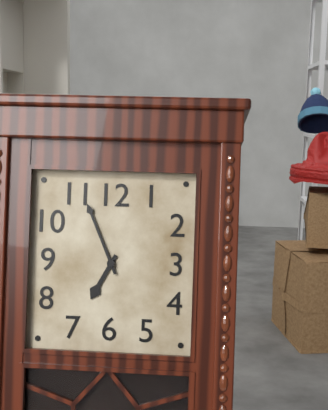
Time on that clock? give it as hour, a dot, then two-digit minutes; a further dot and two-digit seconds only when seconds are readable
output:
6.56
